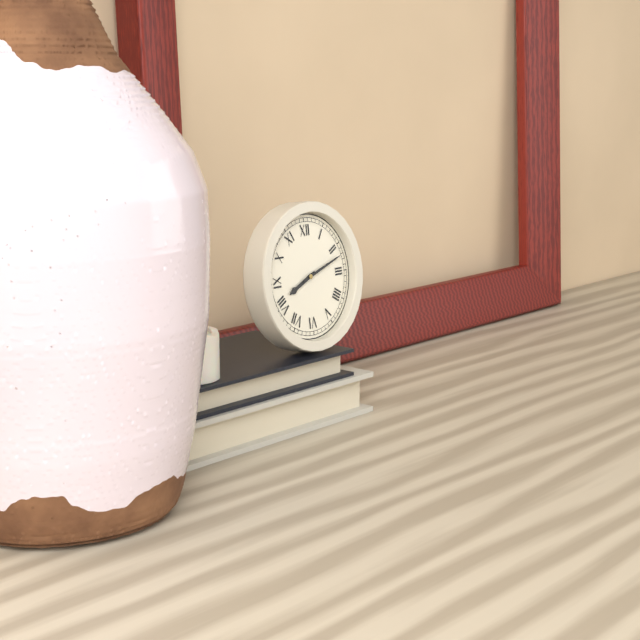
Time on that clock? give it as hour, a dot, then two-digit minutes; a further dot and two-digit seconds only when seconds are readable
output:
8.12
